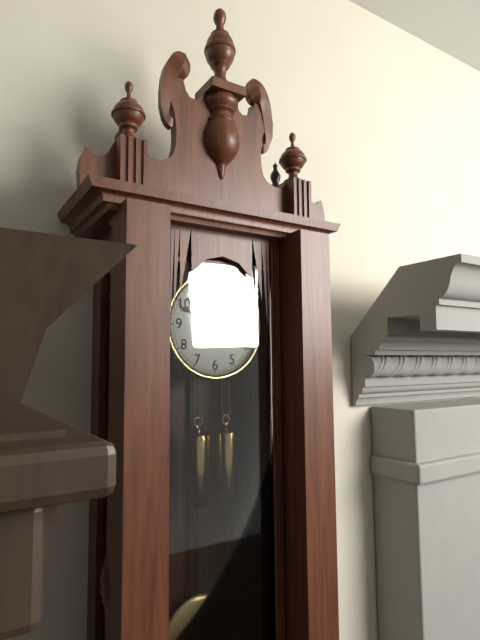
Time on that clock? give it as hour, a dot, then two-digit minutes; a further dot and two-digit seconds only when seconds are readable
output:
11.49
